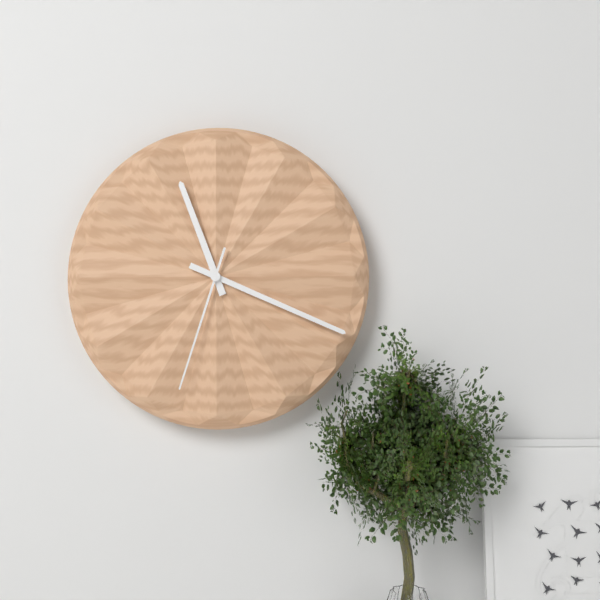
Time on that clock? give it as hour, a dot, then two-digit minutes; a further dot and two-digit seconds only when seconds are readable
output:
11.19.33
